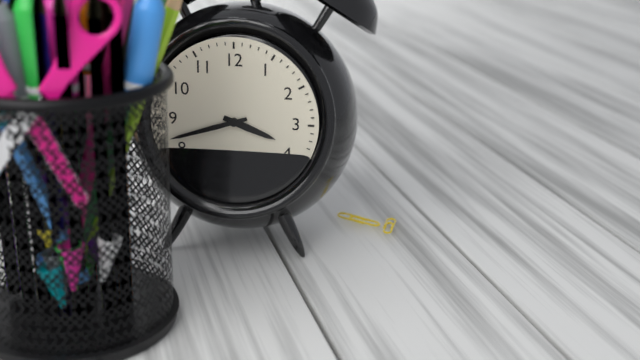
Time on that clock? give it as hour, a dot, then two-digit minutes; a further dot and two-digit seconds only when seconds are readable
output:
3.42
